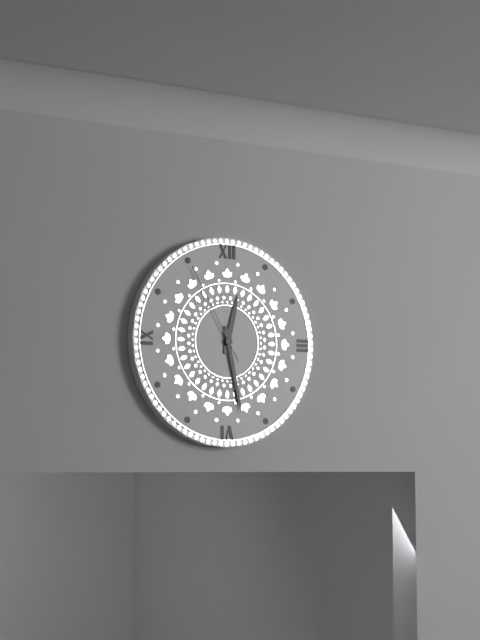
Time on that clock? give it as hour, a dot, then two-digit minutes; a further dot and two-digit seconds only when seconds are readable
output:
12.28.55
